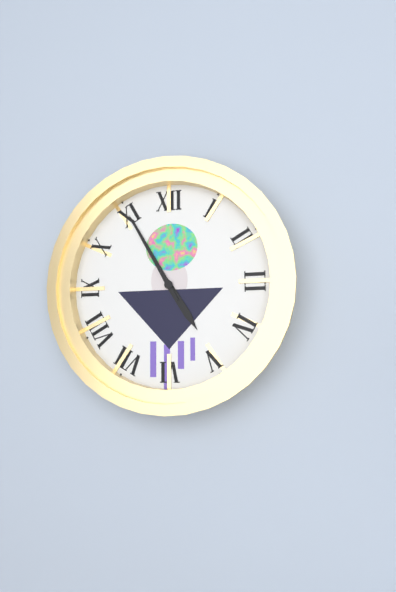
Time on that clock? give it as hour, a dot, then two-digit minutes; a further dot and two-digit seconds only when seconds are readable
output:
4.55
